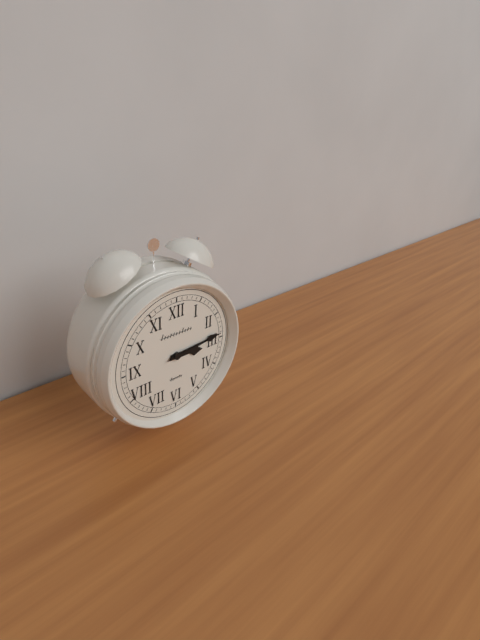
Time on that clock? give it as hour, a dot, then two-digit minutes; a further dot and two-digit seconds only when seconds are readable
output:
3.14.14
